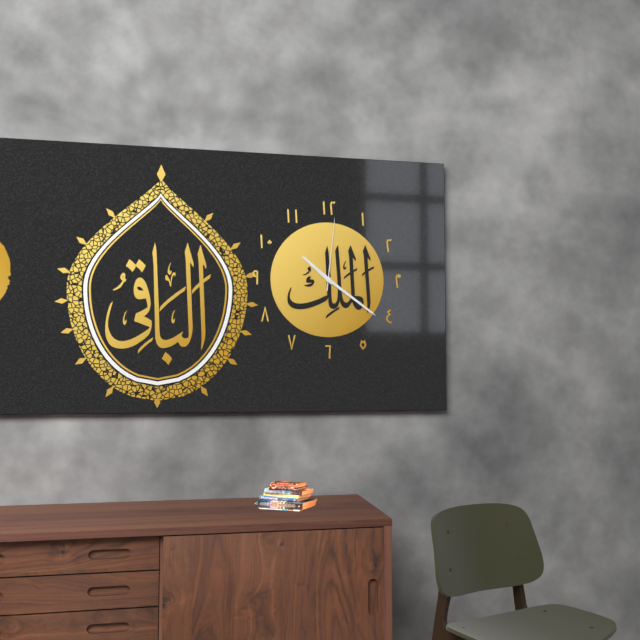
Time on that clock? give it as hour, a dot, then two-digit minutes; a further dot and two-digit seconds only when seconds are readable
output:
10.21.01
